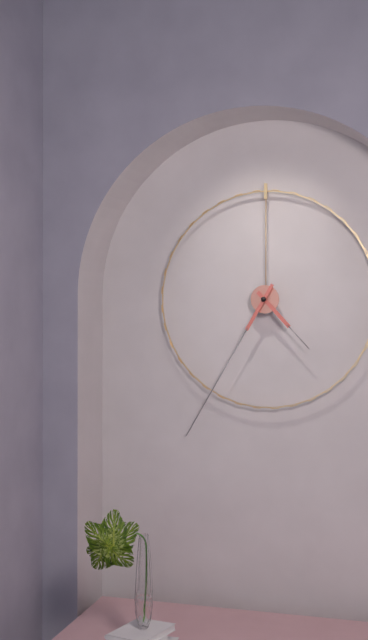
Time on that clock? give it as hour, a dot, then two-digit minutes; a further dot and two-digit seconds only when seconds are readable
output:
4.35
